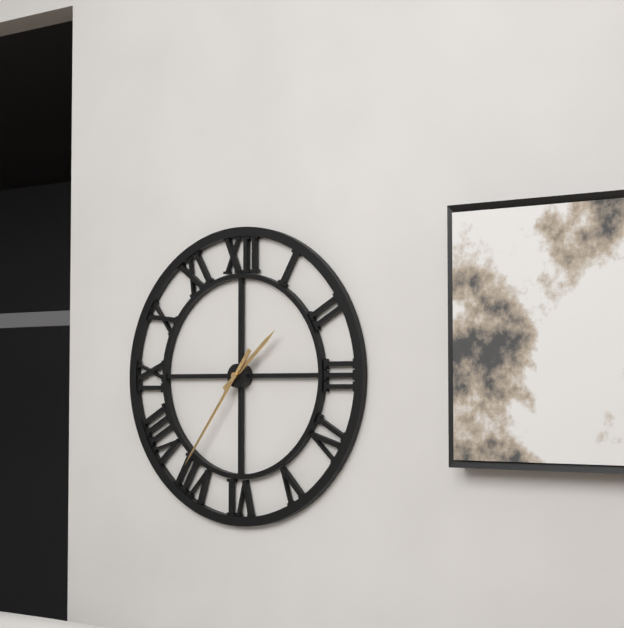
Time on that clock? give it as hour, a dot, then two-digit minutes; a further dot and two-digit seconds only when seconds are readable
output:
1.36
